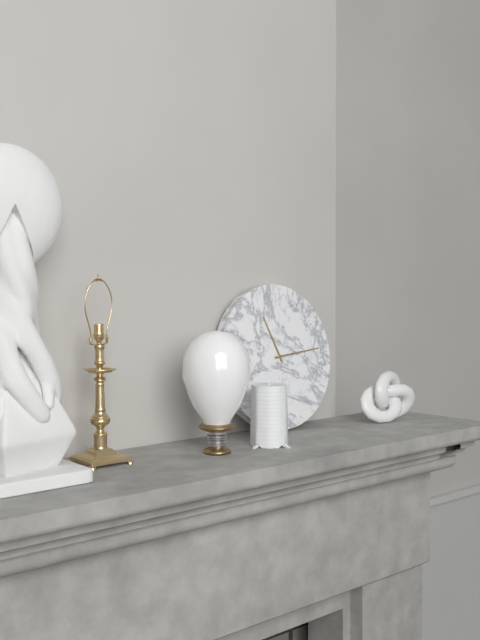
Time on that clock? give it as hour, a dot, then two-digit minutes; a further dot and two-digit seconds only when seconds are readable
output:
11.14
